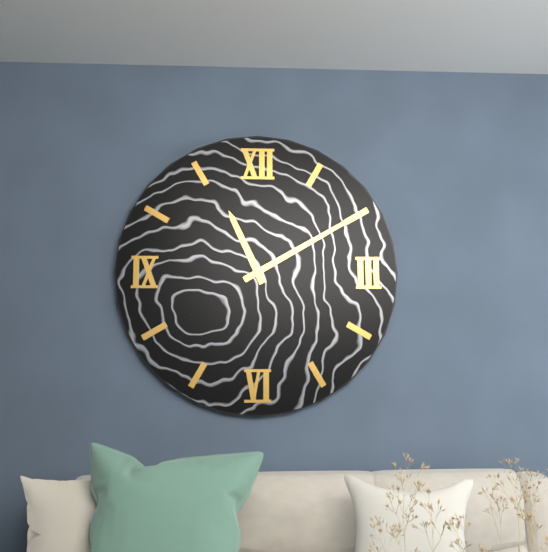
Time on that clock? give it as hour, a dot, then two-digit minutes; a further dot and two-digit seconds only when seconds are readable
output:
11.10
